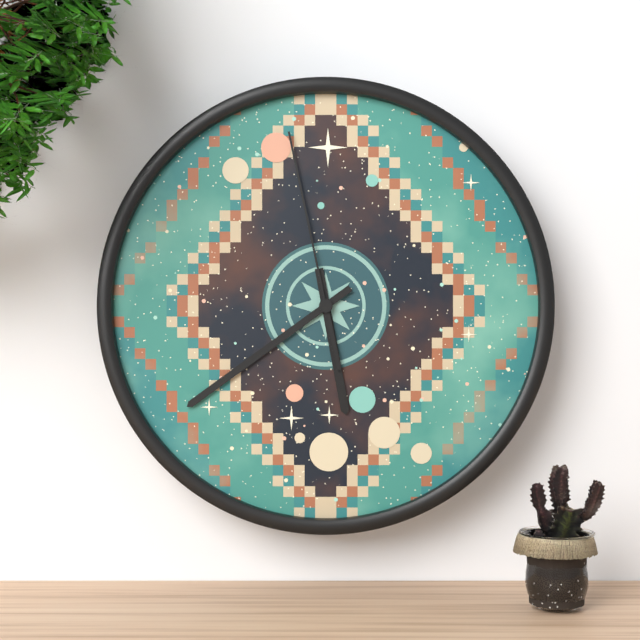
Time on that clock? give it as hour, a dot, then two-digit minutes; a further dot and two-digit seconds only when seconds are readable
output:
5.39.58
